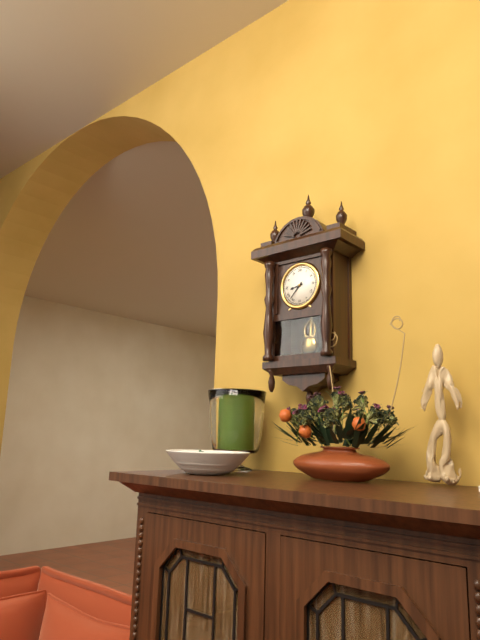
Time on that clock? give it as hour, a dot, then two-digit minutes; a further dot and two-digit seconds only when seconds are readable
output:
8.37
